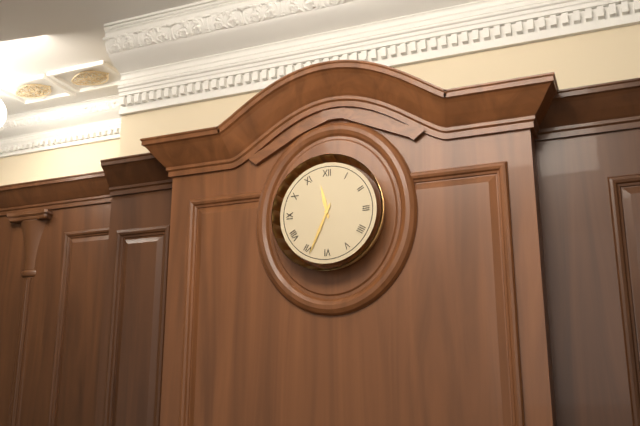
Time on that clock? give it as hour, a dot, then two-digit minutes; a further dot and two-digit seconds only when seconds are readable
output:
11.34
